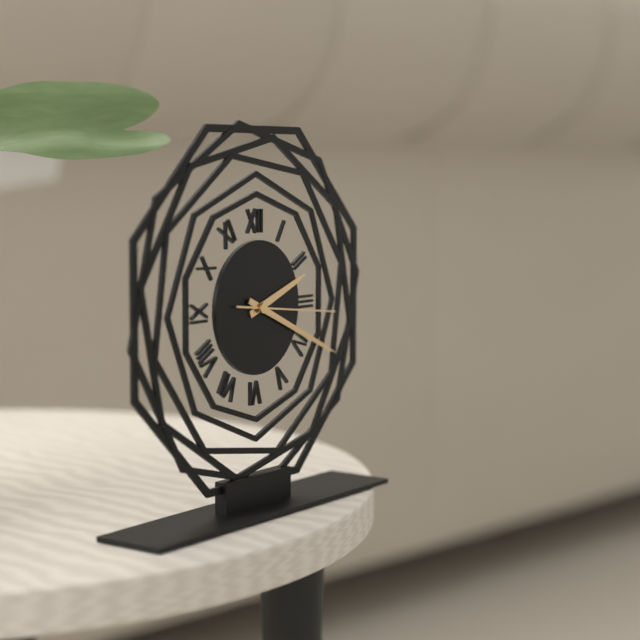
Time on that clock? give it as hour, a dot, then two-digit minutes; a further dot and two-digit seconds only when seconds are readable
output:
2.19.16
